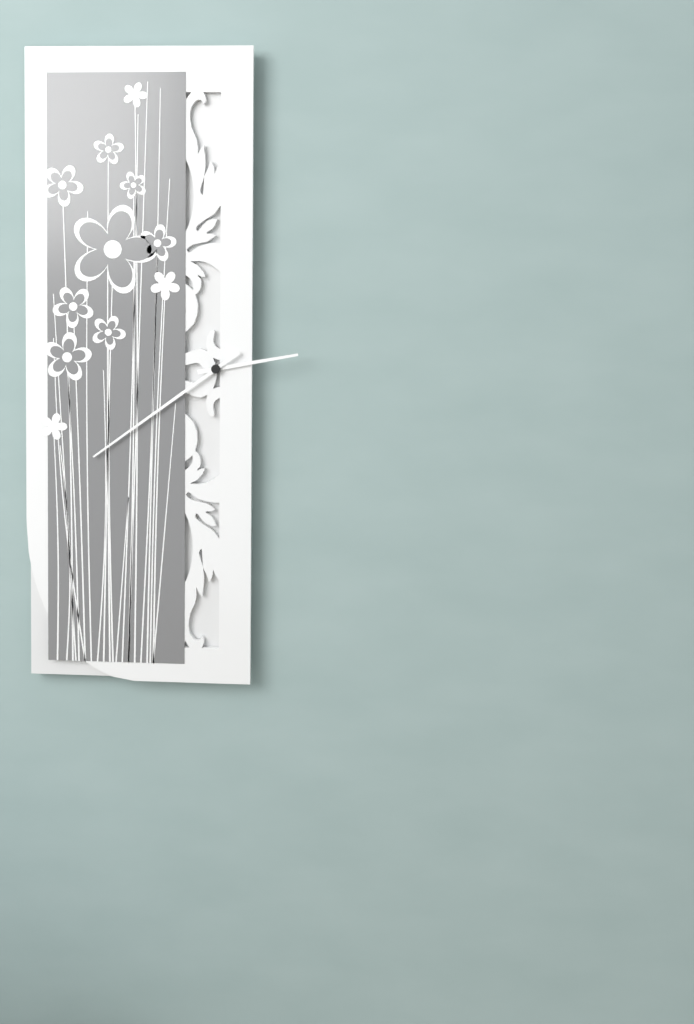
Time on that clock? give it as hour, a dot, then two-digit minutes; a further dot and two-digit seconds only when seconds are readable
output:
2.39
